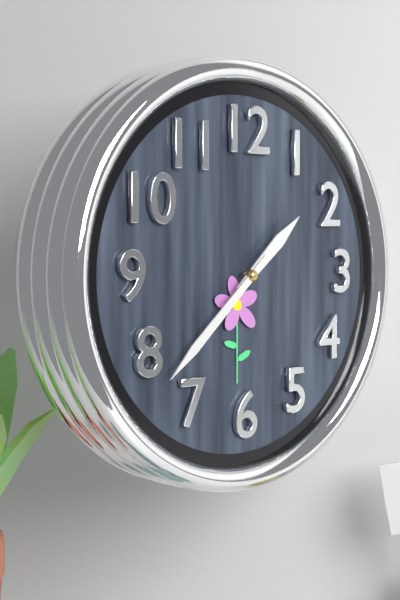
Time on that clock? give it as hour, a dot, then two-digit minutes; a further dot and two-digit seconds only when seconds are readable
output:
1.38
